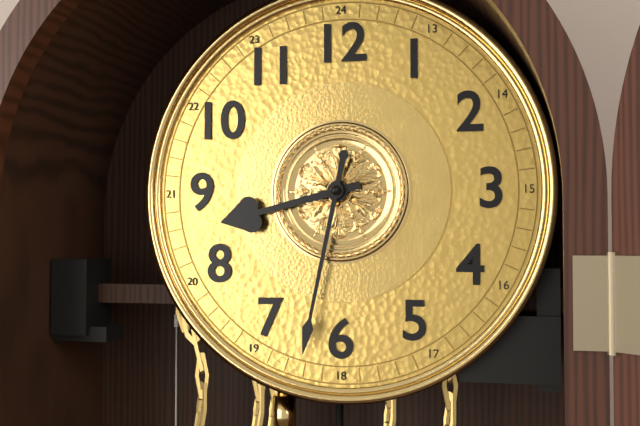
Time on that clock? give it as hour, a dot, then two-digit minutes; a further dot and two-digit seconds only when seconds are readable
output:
8.32
